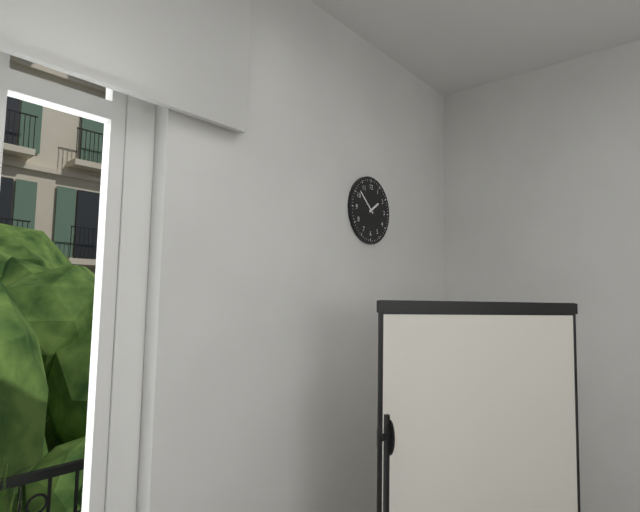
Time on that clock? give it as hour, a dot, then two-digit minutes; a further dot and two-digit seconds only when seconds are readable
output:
1.52
